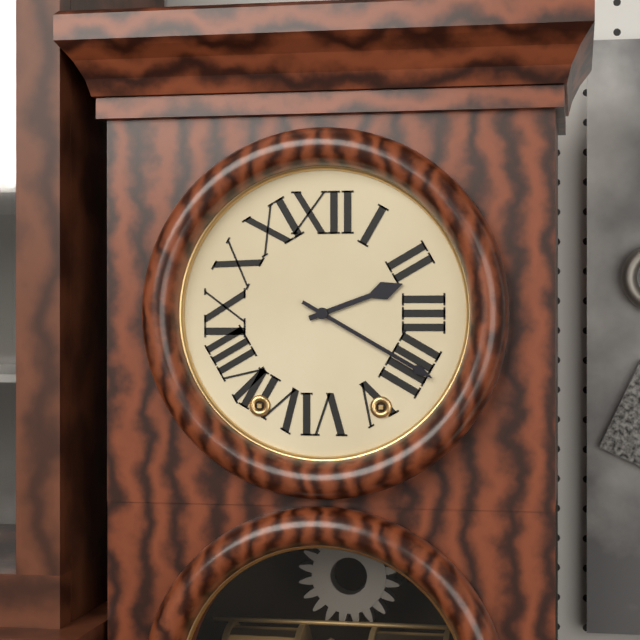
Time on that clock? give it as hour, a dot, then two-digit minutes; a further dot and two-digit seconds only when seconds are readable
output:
2.20
